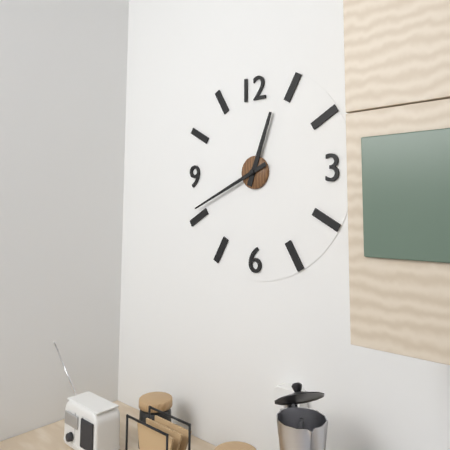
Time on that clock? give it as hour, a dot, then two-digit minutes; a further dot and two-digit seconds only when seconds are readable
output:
12.41
